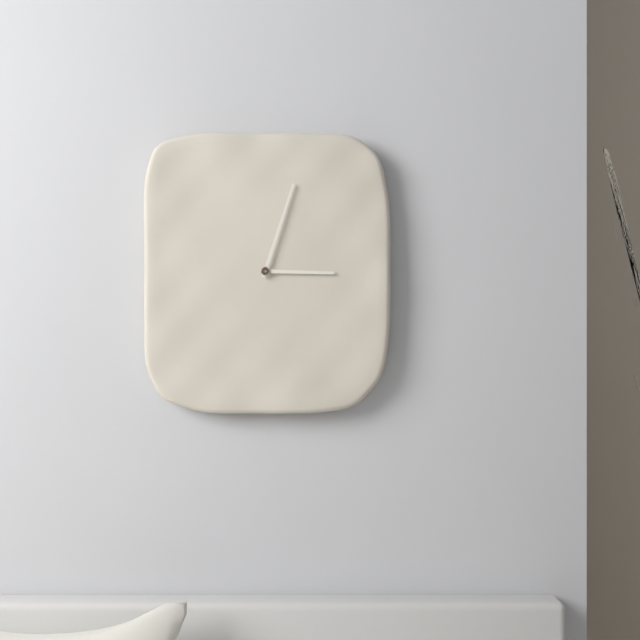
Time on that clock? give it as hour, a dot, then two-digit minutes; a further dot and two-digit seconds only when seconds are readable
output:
3.03
